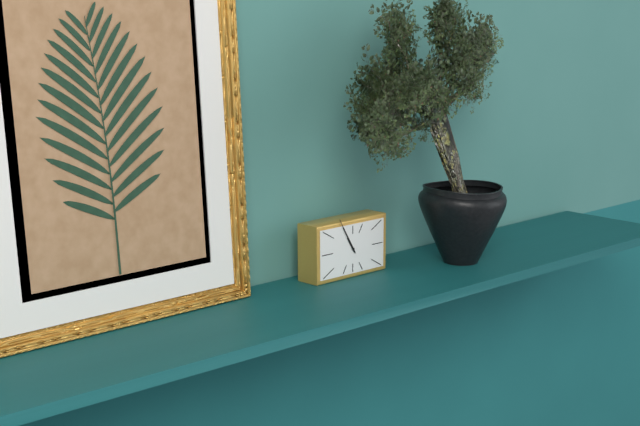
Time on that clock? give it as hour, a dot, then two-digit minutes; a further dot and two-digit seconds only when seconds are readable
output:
10.55
